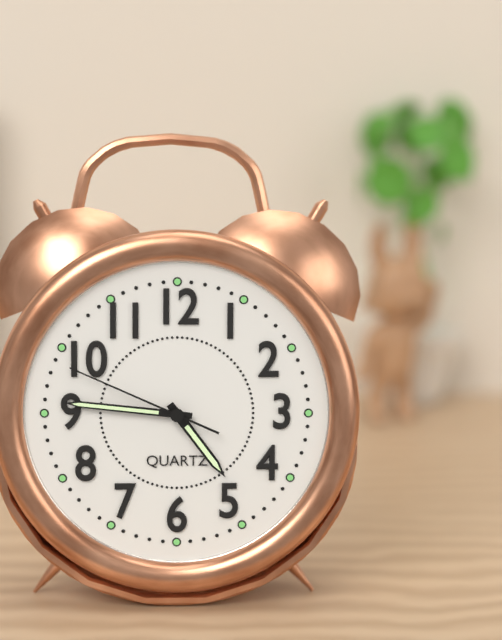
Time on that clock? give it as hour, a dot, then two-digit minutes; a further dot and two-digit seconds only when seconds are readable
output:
4.46.49
